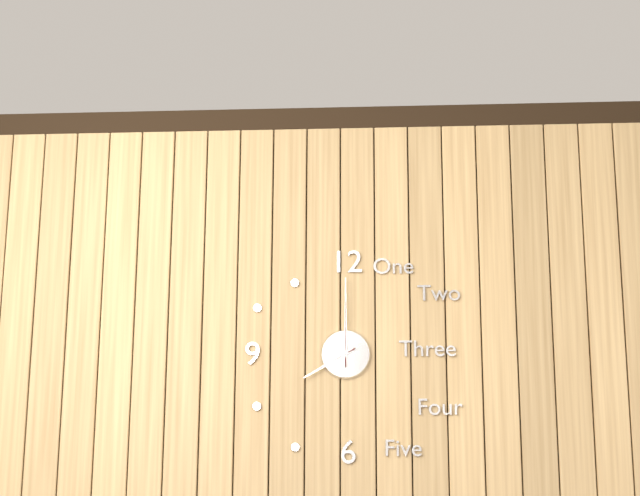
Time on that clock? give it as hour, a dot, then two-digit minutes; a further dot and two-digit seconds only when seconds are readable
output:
8.00
